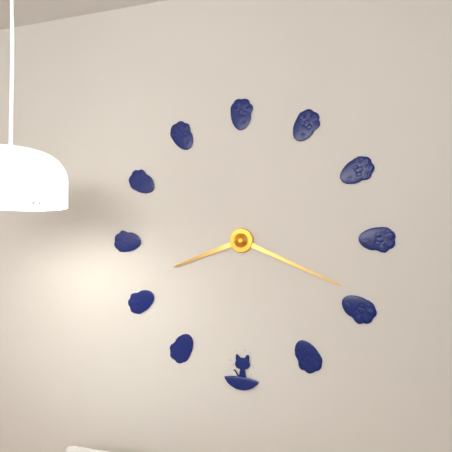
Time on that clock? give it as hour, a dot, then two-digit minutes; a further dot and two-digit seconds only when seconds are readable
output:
8.19
